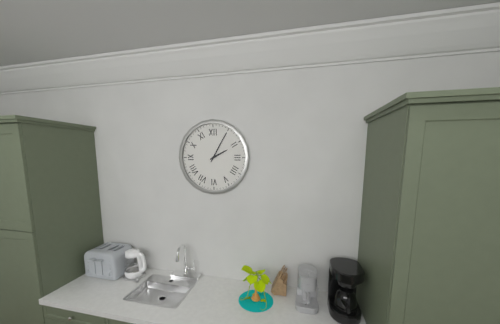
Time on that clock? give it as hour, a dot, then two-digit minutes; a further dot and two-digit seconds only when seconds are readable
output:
2.05
